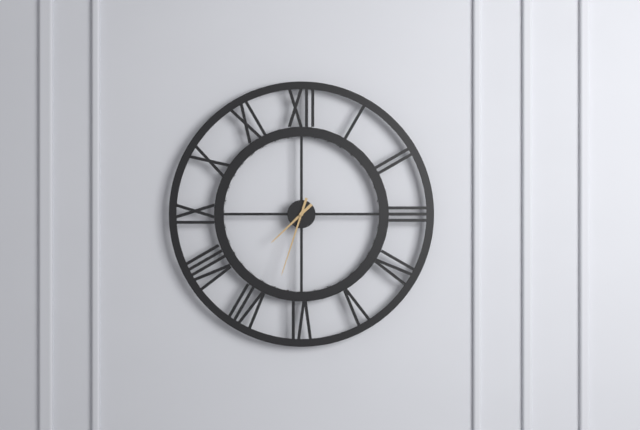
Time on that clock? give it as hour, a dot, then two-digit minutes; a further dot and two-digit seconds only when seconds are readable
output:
7.33
